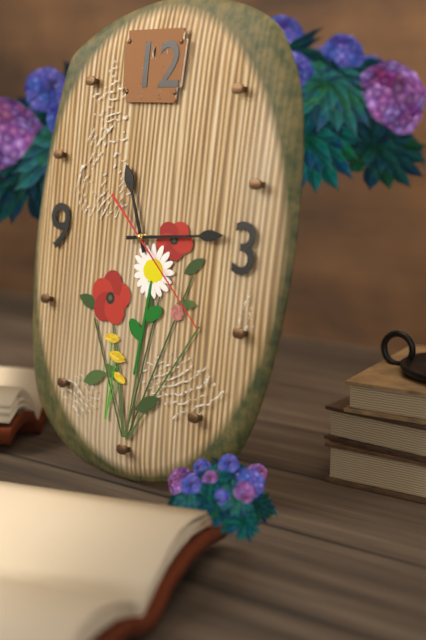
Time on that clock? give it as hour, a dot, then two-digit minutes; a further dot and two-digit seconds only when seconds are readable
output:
11.14.22
